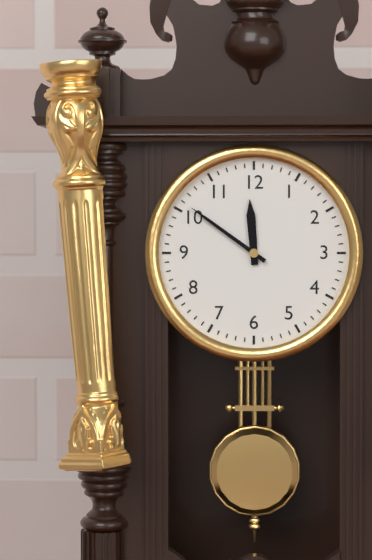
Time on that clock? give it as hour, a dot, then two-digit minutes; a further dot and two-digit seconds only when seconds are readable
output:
11.51
